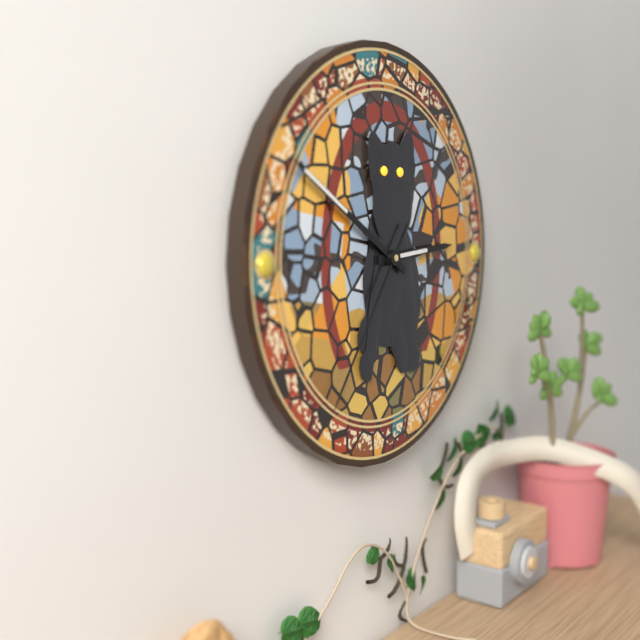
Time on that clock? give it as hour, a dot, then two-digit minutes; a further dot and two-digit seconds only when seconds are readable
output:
2.50.36
